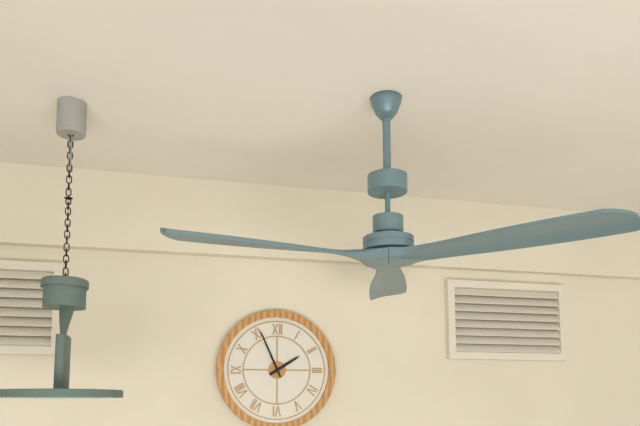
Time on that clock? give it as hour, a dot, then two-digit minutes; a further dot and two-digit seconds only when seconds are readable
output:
1.56
